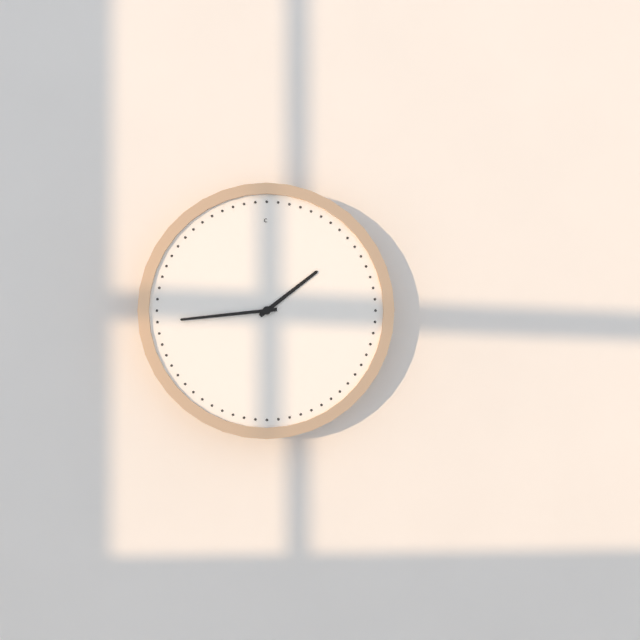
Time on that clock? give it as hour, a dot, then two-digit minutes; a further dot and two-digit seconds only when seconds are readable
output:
1.44
